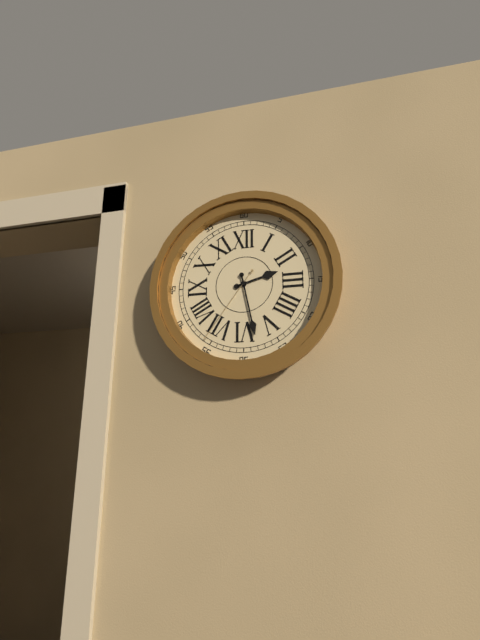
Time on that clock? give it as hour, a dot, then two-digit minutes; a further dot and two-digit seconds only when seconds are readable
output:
2.28.36
